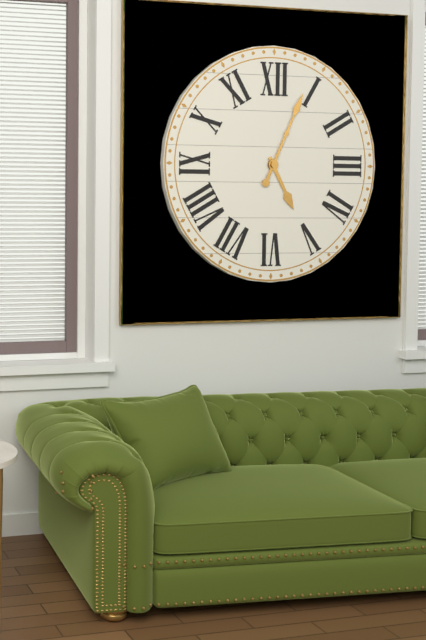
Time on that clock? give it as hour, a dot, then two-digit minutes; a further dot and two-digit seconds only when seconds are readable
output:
5.04
